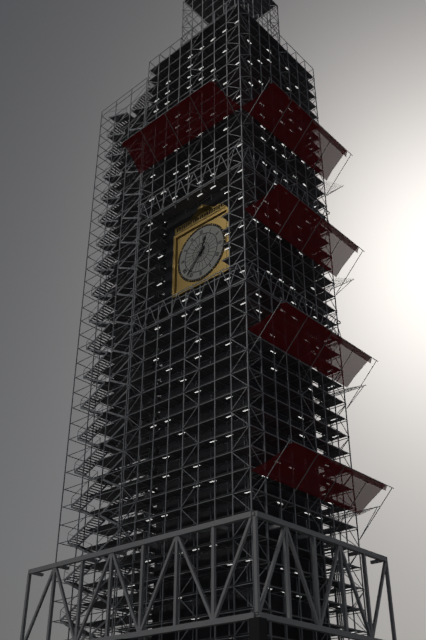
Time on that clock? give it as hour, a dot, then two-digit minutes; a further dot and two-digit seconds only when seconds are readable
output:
12.37
